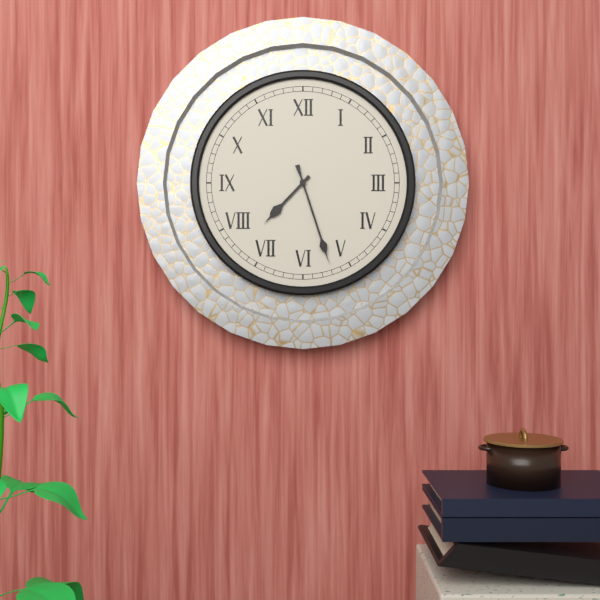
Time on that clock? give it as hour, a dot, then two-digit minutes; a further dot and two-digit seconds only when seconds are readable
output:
7.27
